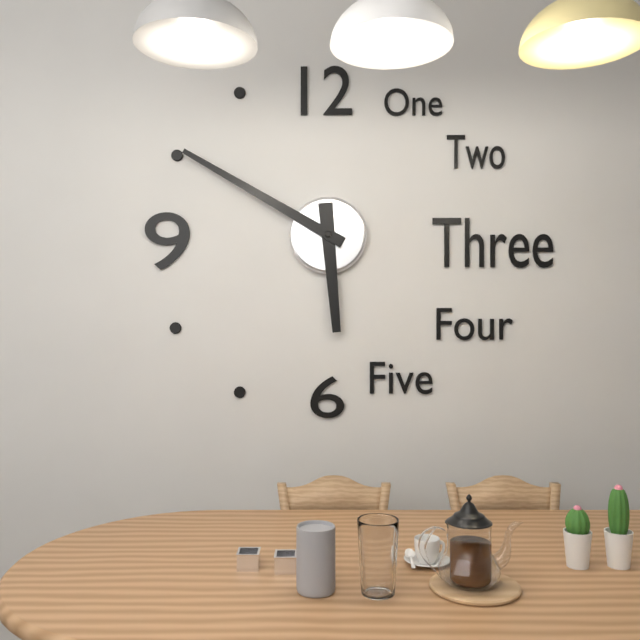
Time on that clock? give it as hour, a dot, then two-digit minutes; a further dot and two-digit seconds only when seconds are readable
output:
5.50
